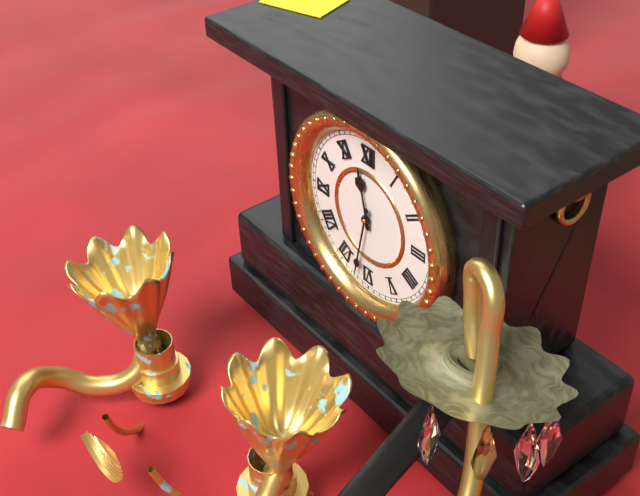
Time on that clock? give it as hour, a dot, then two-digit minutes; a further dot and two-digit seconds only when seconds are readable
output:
11.32
